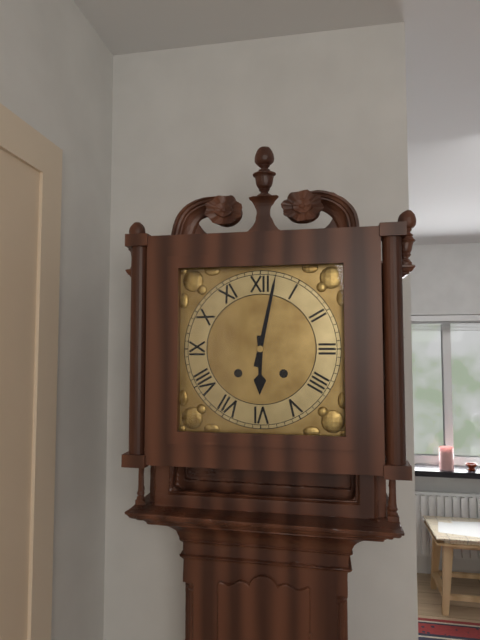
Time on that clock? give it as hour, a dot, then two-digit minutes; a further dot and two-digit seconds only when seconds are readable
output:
6.02
